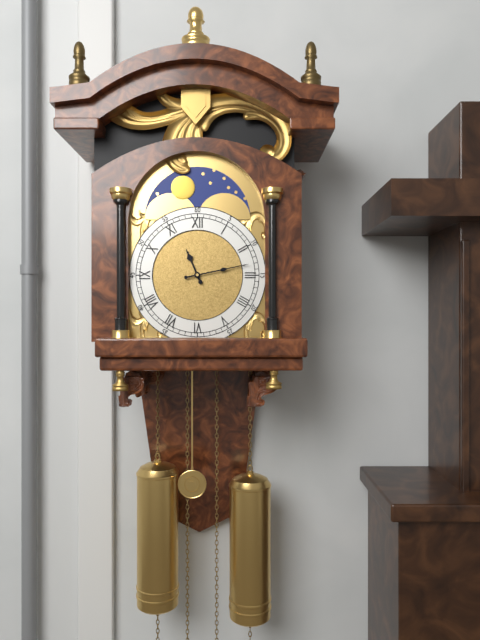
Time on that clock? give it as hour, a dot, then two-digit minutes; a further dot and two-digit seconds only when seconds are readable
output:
11.13
